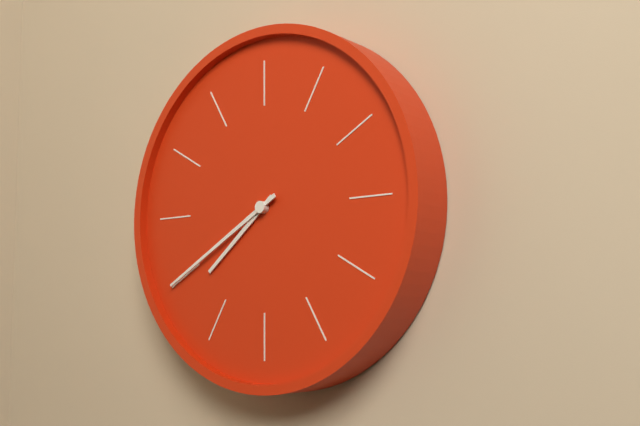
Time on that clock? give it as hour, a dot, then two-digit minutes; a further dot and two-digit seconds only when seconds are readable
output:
7.40
